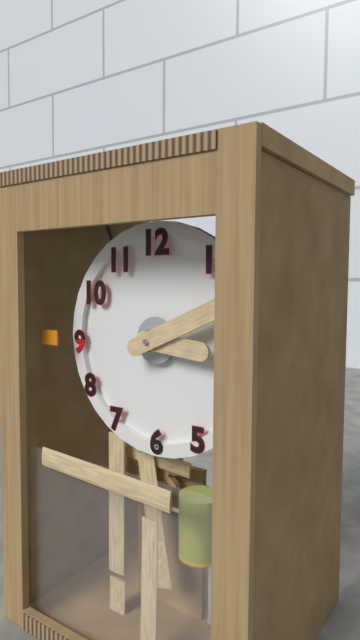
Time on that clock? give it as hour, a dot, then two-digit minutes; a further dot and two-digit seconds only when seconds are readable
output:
3.11
